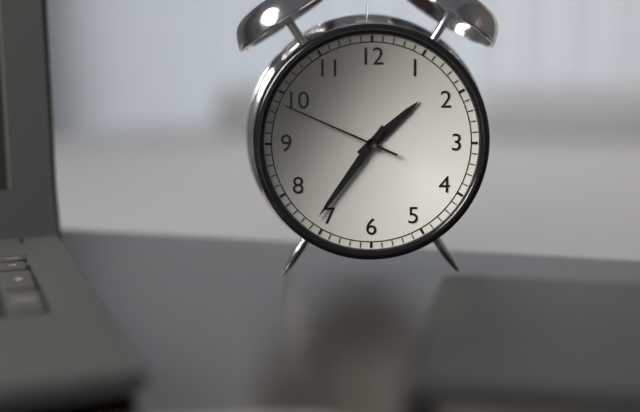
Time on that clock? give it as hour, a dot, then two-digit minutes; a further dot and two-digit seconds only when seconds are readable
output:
1.36.49
